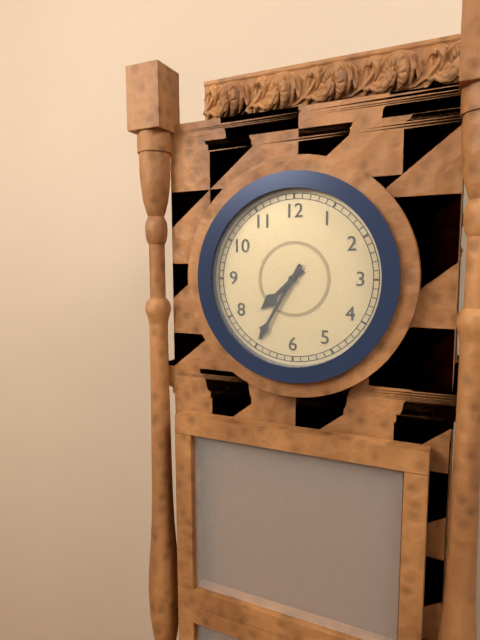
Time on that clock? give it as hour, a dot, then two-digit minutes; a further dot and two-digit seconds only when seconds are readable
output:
7.35
